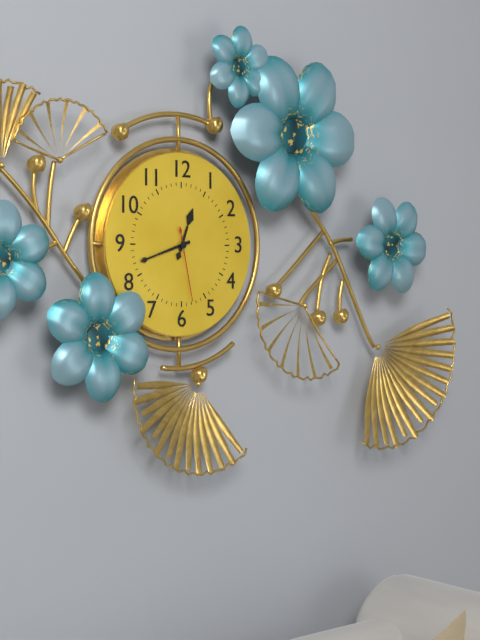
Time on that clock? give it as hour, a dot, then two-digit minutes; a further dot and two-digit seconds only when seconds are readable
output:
12.42.28
